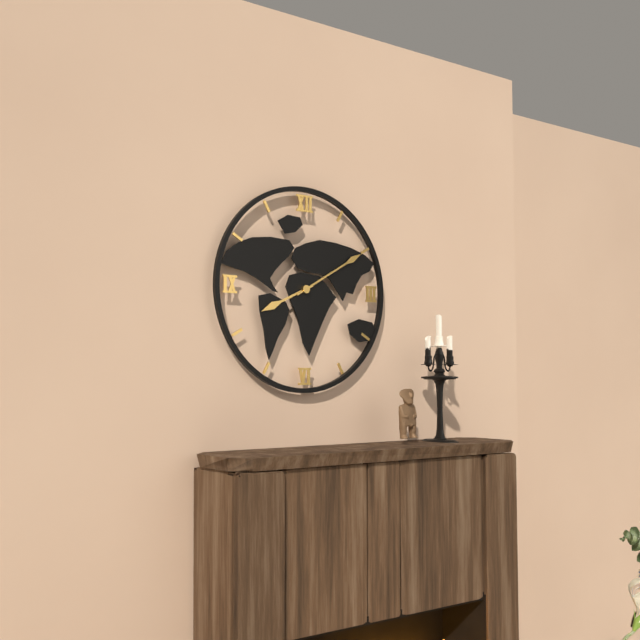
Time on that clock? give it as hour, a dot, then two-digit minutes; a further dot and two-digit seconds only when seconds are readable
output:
8.10
